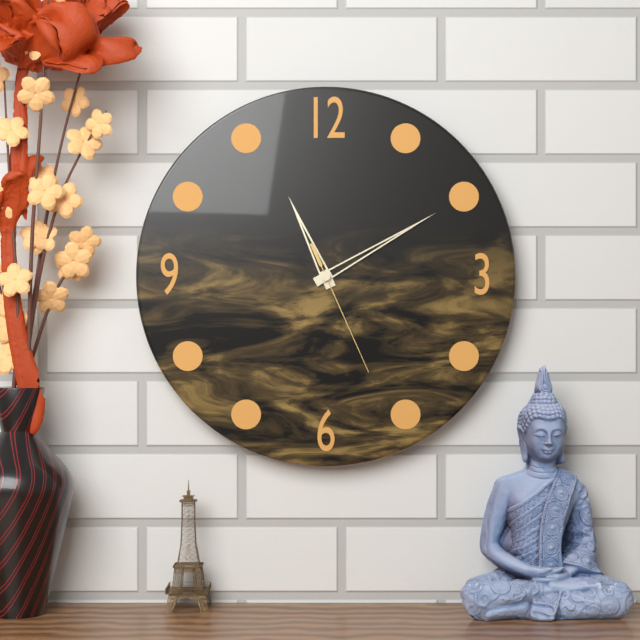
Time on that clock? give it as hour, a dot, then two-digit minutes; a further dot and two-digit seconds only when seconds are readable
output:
11.10.26
